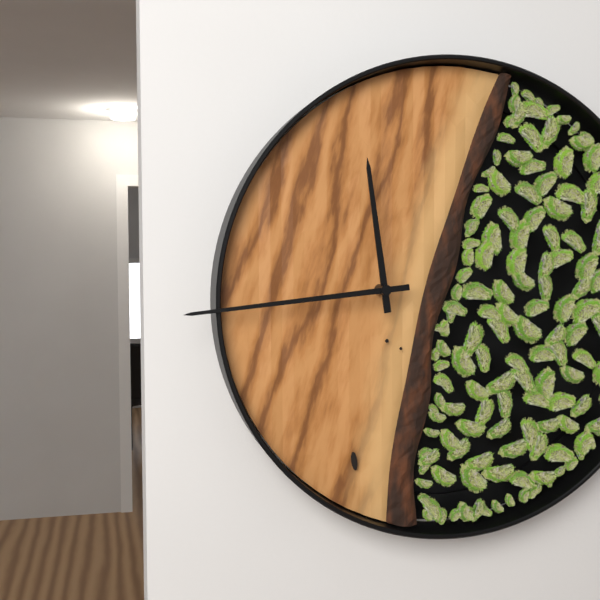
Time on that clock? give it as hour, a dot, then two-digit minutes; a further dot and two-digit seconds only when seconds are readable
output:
11.44
